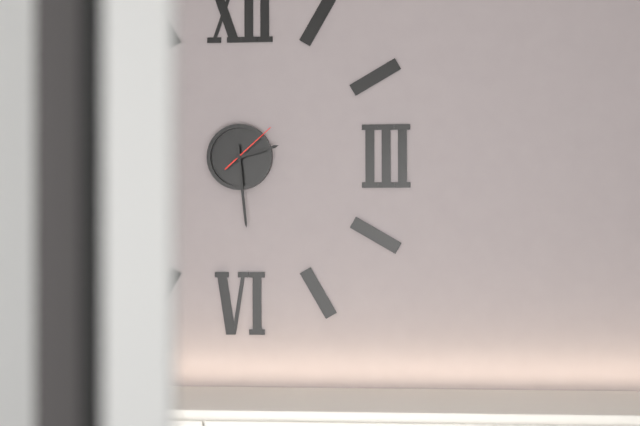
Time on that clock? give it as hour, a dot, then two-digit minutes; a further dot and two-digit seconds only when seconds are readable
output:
2.29.08
